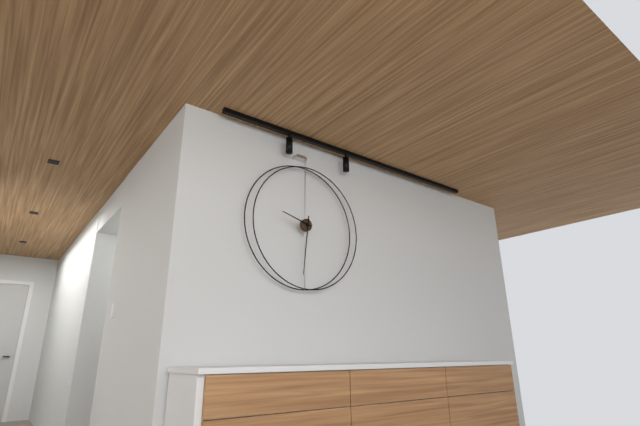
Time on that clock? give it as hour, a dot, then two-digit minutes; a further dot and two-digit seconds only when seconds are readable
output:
9.31
